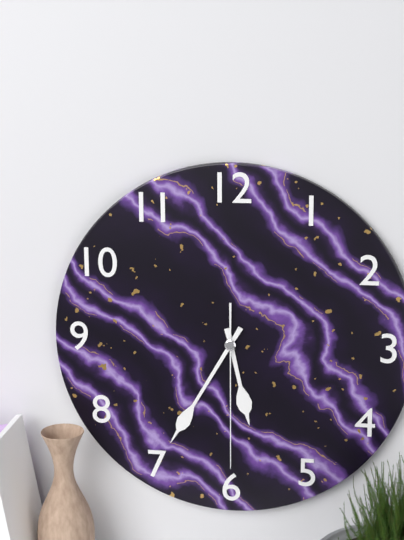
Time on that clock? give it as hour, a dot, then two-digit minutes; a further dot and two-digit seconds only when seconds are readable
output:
5.35.30
